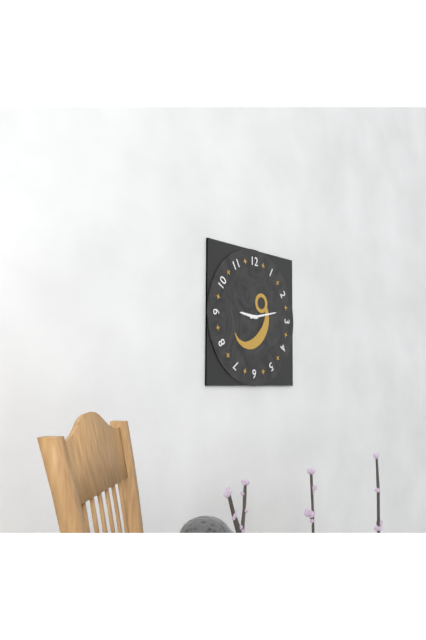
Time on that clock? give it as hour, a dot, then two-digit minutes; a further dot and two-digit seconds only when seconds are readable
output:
9.13
